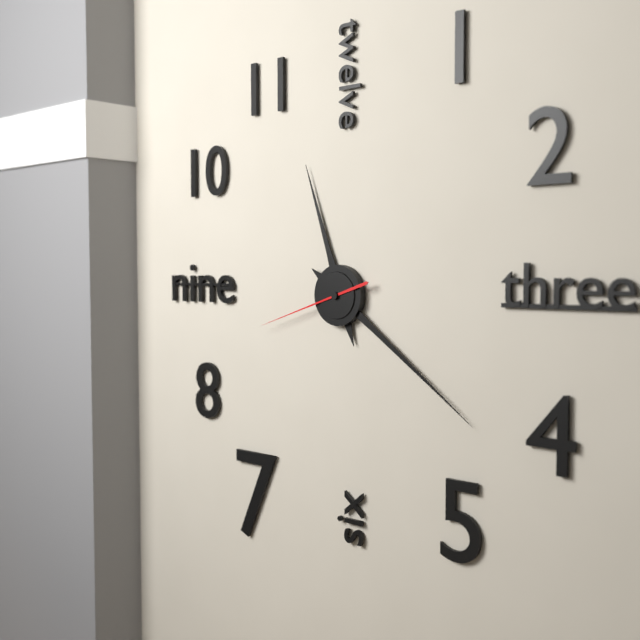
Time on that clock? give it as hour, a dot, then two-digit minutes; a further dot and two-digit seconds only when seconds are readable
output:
11.21.42
